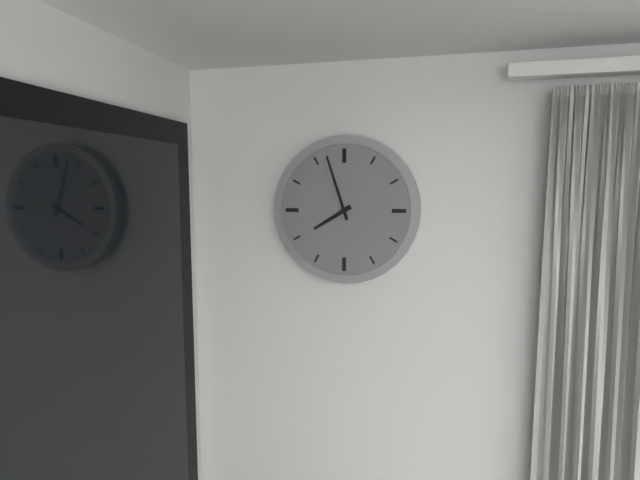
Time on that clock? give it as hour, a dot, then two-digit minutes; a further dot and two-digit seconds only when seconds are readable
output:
7.57
